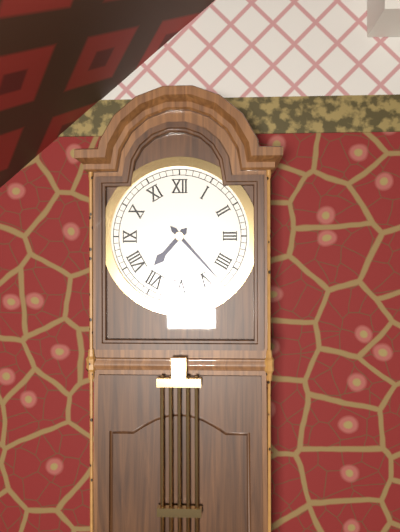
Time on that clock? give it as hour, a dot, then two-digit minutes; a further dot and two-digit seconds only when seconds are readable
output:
7.23
